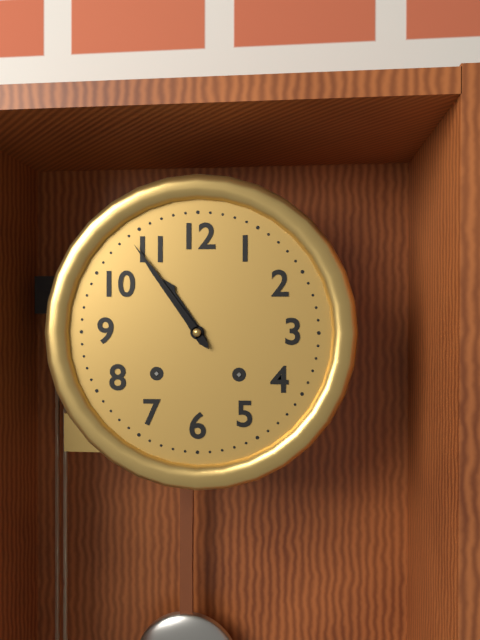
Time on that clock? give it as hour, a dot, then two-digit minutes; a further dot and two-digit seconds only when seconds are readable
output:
10.54
